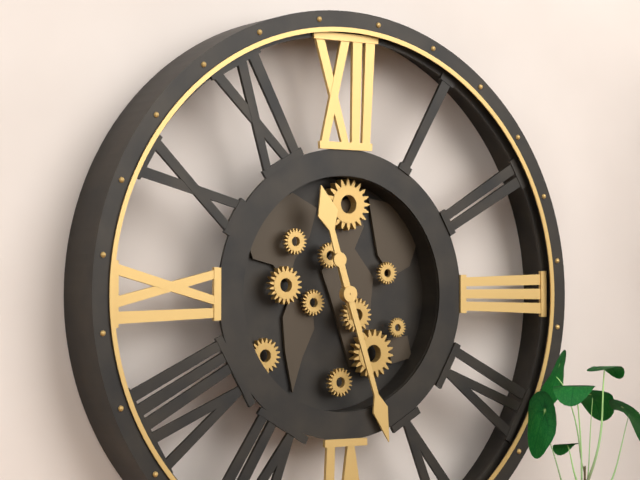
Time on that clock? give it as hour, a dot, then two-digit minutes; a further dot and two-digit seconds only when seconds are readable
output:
11.27
